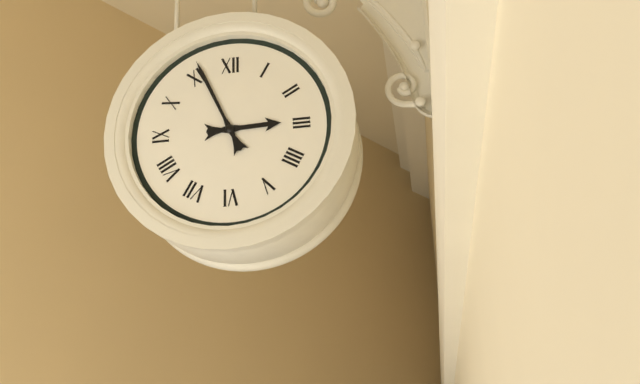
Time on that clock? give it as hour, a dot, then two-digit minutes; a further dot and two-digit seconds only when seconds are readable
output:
2.56
